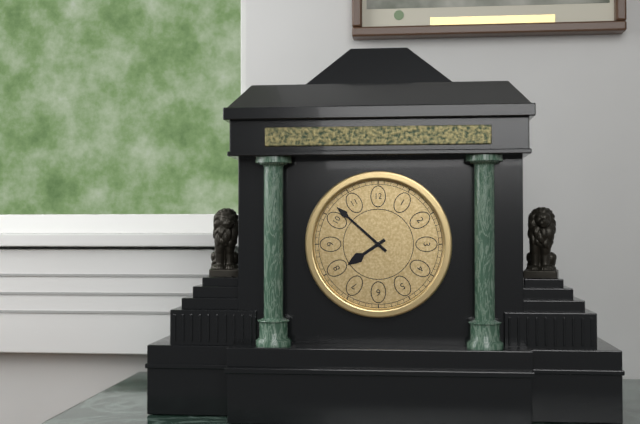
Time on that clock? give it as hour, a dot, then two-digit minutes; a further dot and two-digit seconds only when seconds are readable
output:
7.52
